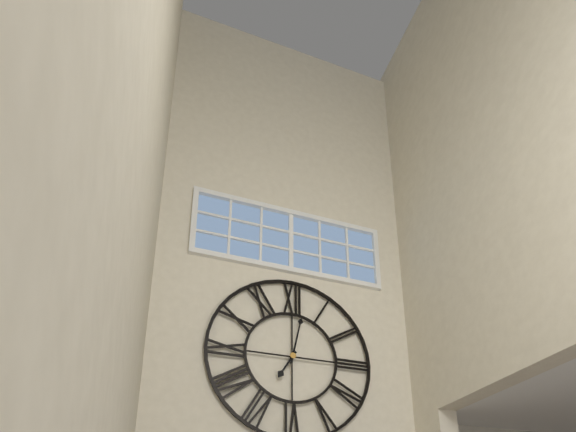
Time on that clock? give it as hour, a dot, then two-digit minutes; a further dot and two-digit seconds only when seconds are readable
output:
7.02
